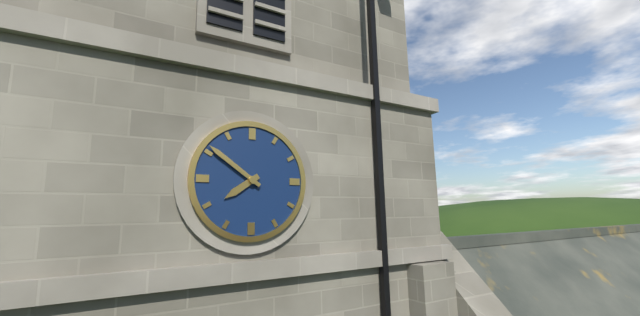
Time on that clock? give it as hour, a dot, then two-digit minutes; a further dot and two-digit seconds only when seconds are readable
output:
7.51
